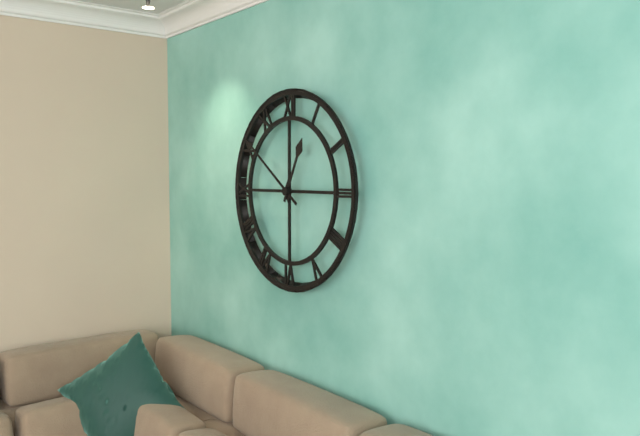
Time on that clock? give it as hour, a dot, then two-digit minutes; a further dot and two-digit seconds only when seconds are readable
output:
12.51
